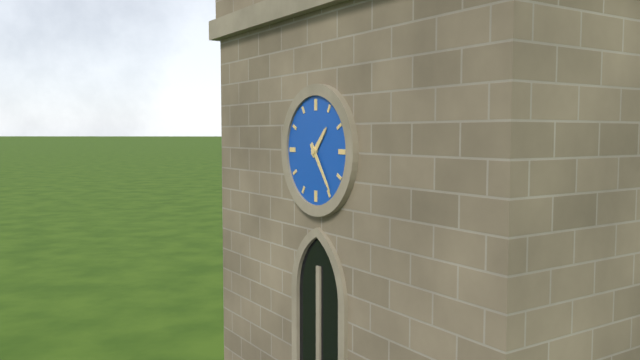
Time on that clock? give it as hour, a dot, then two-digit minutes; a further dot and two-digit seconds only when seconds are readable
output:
1.24
